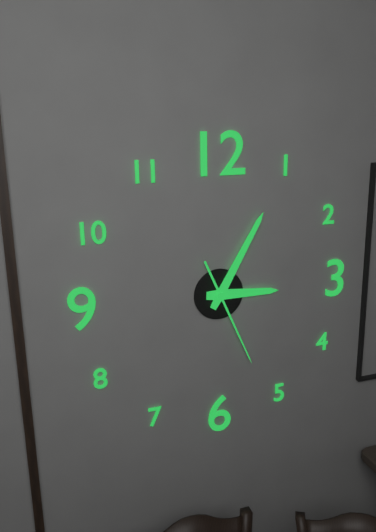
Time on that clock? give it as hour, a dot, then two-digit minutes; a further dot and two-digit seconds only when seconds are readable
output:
3.05.26
